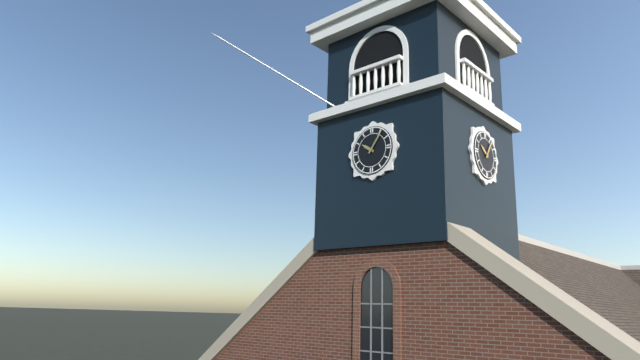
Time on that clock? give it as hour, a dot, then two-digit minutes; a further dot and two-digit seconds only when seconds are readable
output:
10.06
